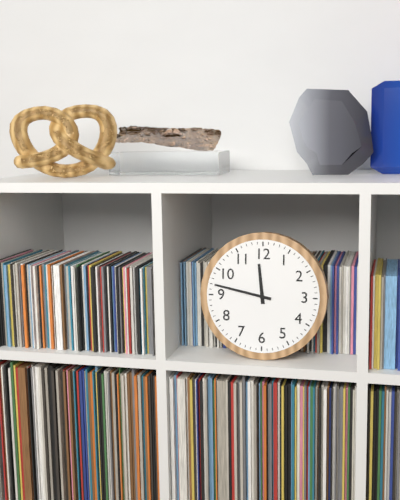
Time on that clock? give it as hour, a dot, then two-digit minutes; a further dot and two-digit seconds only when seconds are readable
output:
11.47
